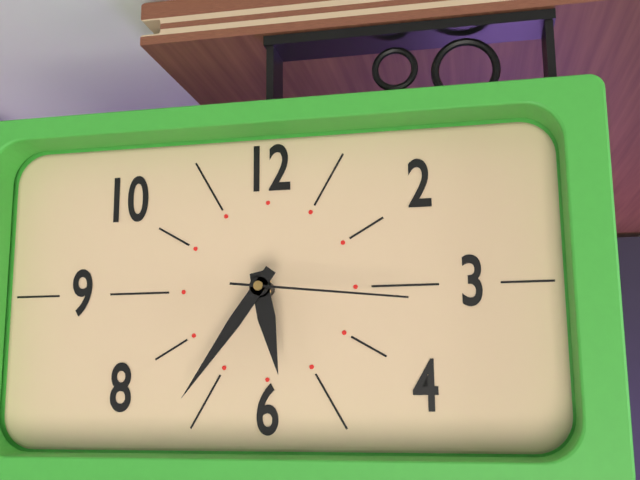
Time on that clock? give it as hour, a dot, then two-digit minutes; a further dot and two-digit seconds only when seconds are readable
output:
5.36.16
